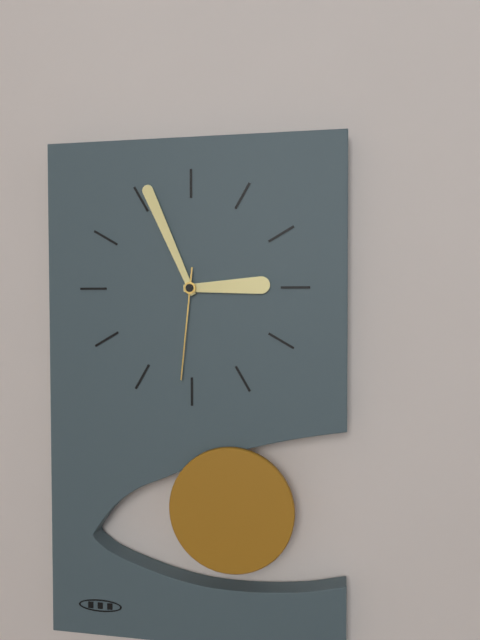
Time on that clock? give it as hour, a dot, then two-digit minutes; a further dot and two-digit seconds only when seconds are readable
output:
2.56.31
